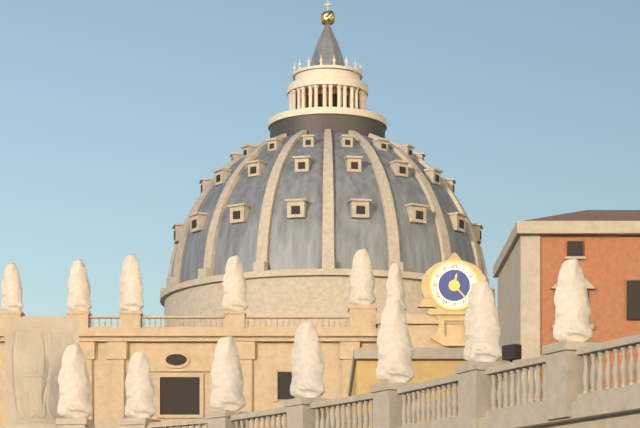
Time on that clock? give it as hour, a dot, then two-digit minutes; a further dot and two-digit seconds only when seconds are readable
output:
12.23
